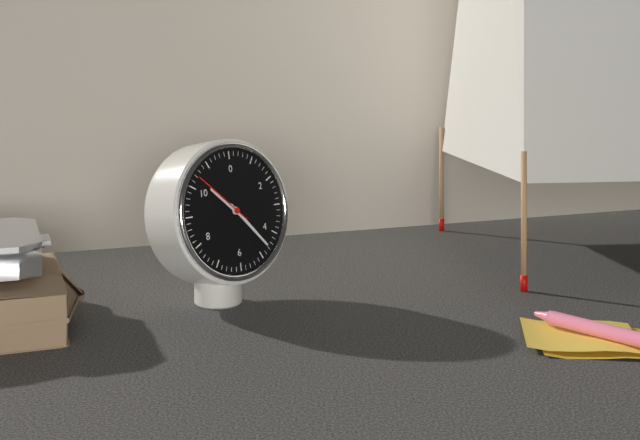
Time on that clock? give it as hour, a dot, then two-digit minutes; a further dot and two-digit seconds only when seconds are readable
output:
10.23
